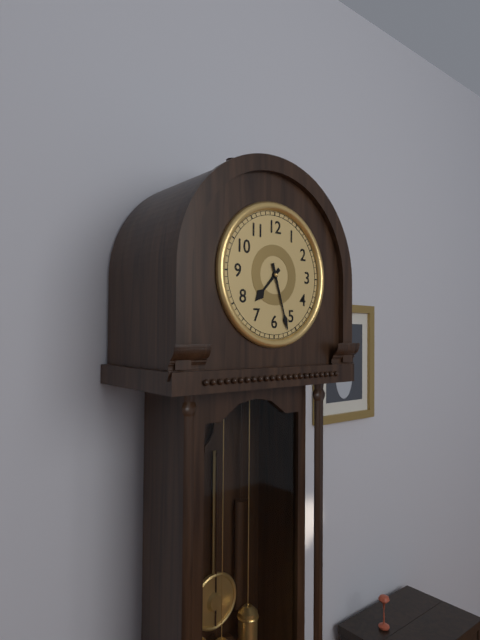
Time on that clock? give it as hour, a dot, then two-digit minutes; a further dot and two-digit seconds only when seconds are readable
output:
7.27
